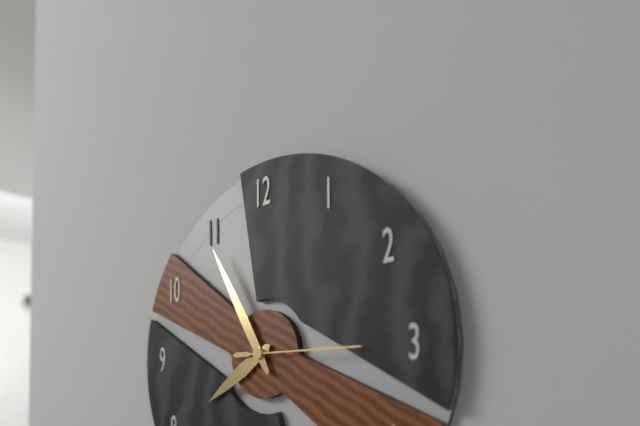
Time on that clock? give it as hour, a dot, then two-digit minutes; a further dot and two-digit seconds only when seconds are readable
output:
7.55.15
